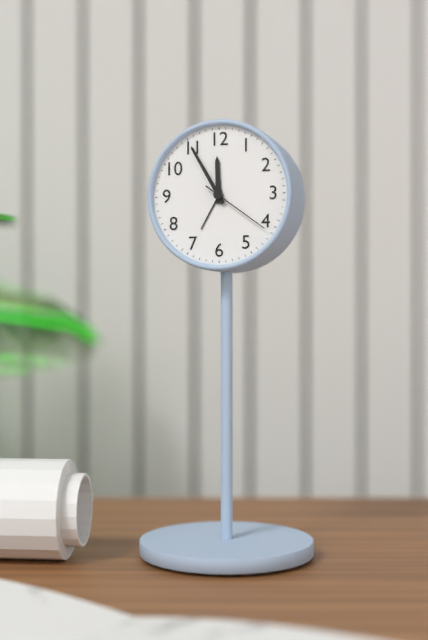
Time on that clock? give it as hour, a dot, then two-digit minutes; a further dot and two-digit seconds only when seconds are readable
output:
11.55.21
